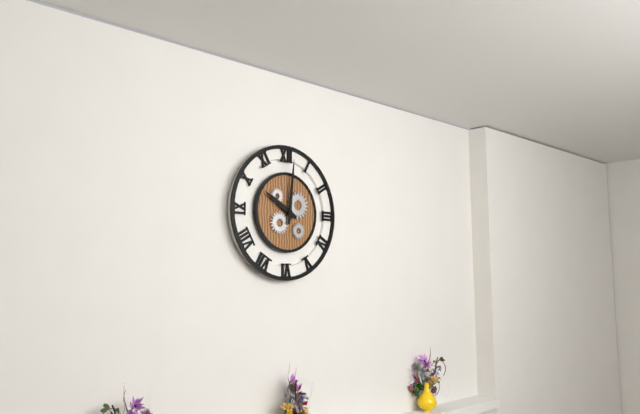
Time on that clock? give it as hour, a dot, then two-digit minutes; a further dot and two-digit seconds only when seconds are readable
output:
10.01
